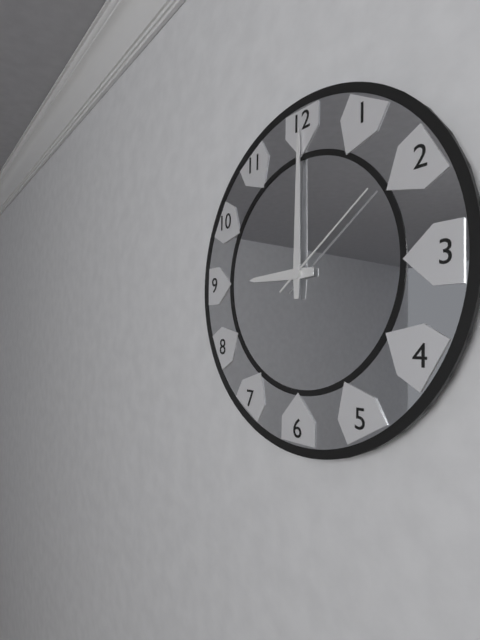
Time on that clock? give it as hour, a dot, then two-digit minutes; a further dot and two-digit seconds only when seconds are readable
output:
9.00.09
